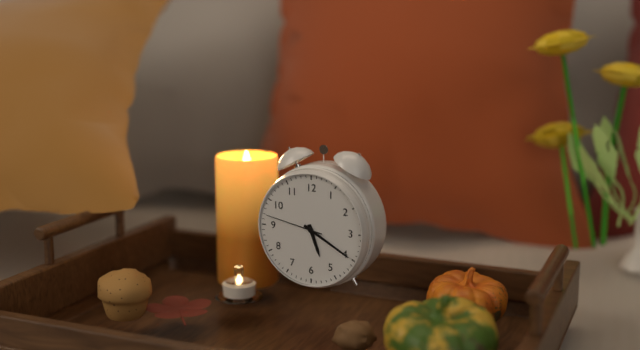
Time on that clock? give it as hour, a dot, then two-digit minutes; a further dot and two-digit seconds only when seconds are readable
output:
5.20.47
